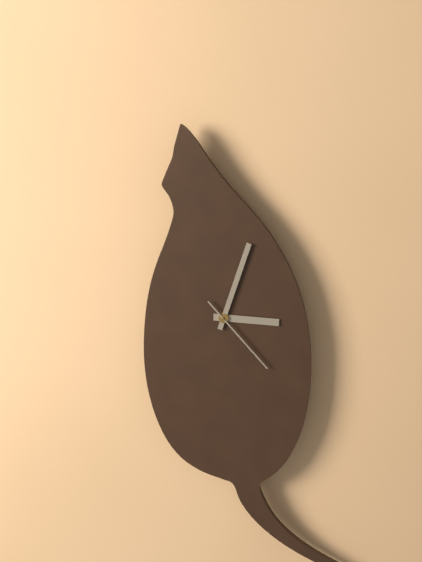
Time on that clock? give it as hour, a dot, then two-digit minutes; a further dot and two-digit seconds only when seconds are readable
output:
3.03.23
